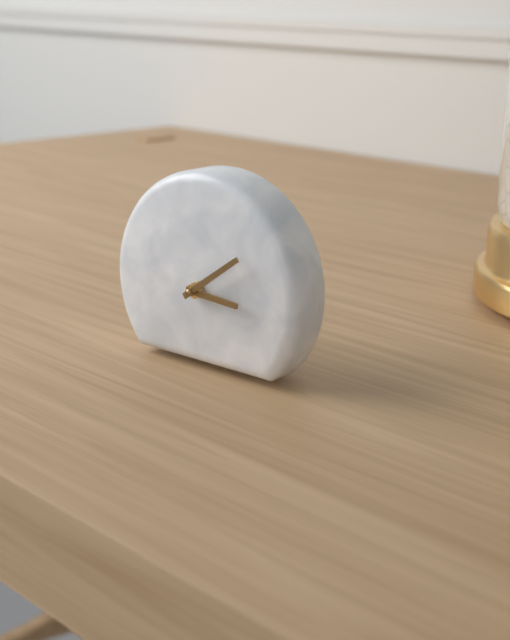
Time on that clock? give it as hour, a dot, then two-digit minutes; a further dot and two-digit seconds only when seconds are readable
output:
3.09
